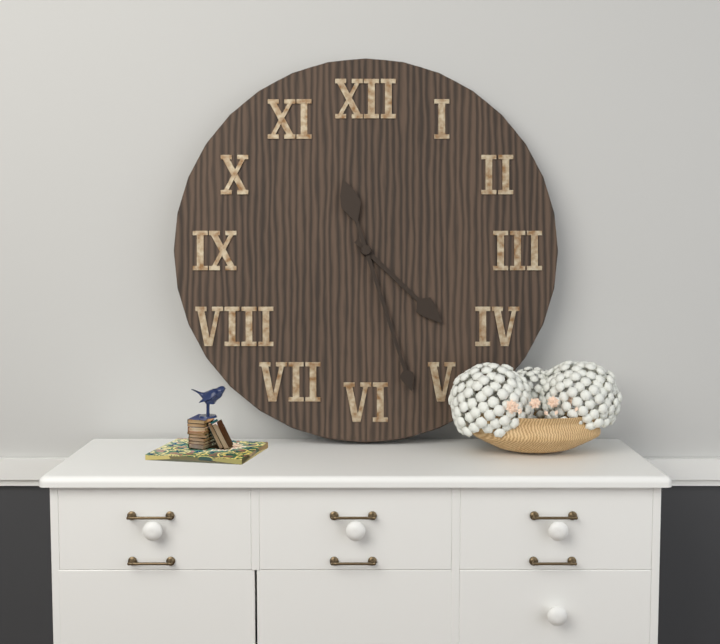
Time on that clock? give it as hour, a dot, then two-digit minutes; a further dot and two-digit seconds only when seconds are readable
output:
4.27
